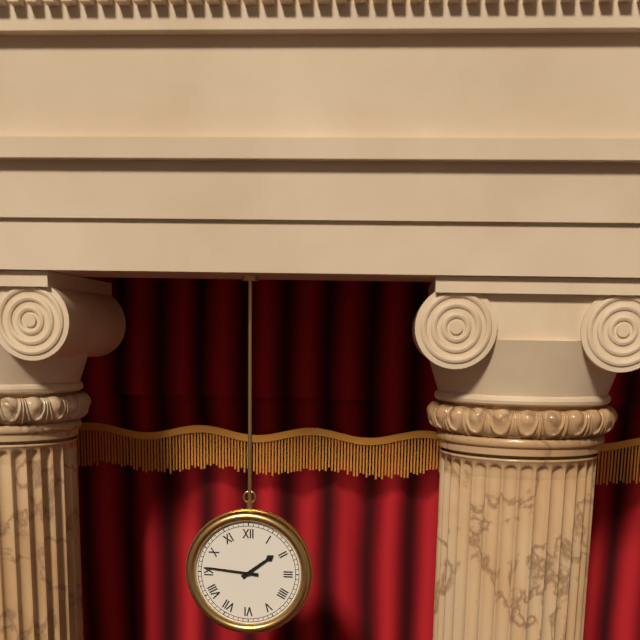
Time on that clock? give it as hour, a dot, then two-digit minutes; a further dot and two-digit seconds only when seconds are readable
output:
1.46
